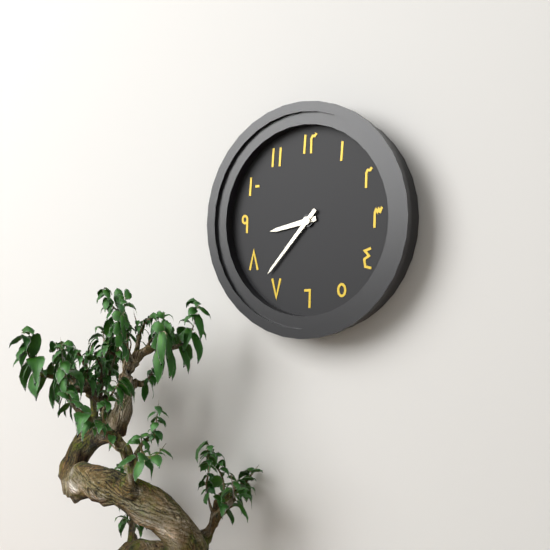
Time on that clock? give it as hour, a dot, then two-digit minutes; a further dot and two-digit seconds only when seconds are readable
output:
8.37
